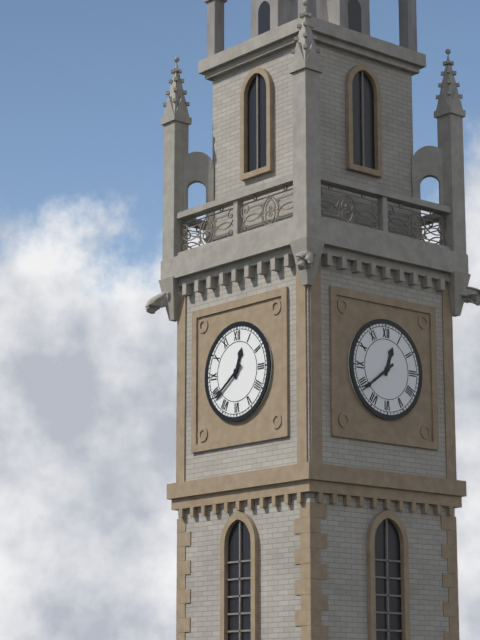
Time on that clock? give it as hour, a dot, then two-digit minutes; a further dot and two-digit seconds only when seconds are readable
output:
12.39
